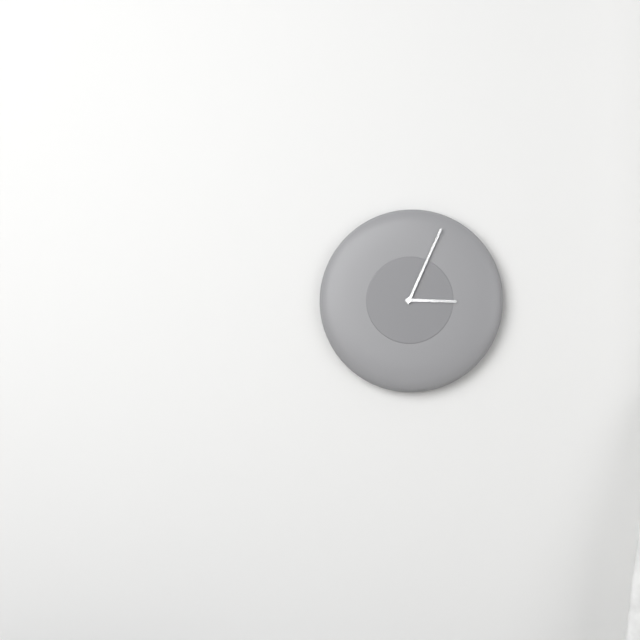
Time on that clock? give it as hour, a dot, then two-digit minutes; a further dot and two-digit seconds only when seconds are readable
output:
3.04
